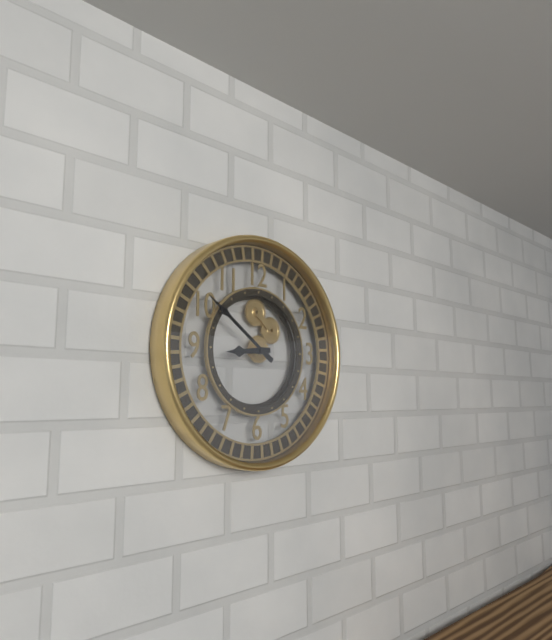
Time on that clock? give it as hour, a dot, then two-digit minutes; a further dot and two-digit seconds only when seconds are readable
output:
8.51
